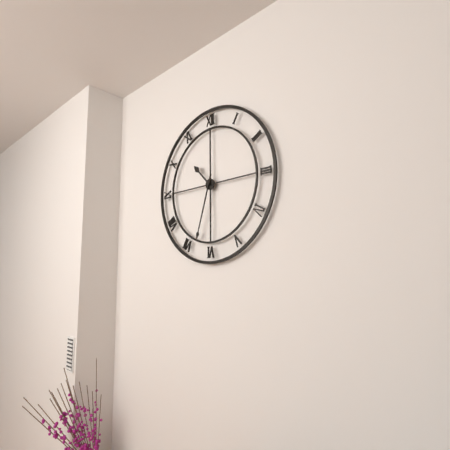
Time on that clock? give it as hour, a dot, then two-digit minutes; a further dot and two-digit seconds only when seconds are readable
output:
10.33
